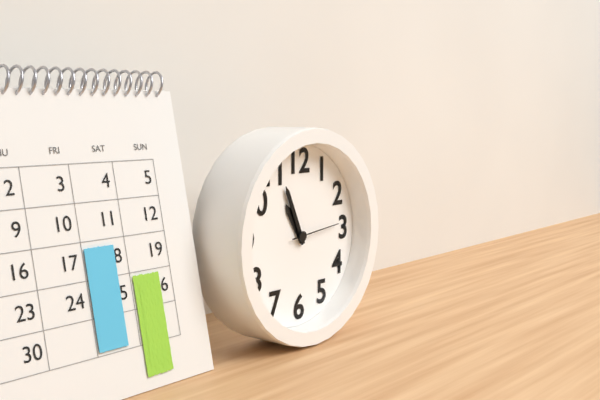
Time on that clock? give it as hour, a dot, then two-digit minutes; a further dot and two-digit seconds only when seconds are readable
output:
10.56
